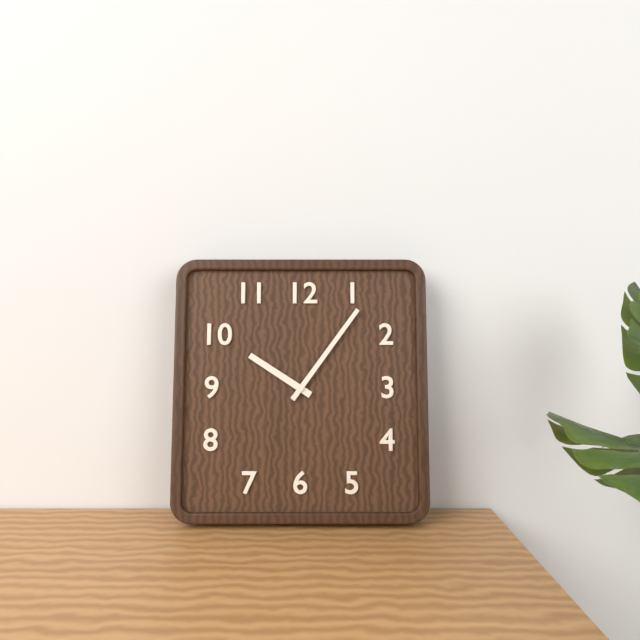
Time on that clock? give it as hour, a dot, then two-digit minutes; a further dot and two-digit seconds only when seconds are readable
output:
10.06
